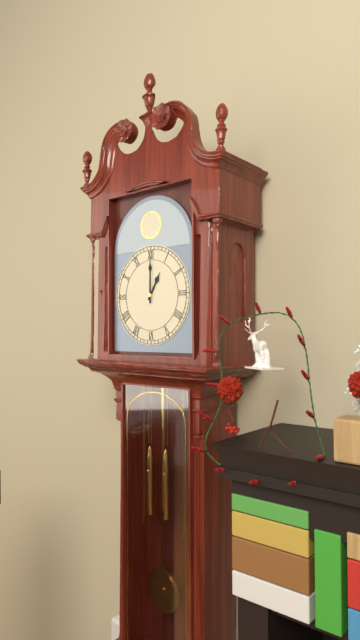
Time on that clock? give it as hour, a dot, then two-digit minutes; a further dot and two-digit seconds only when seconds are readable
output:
1.00
